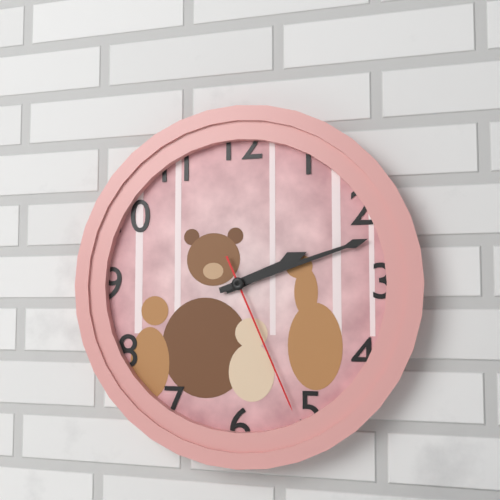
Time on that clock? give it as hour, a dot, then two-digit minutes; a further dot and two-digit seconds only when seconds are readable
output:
2.12.26
